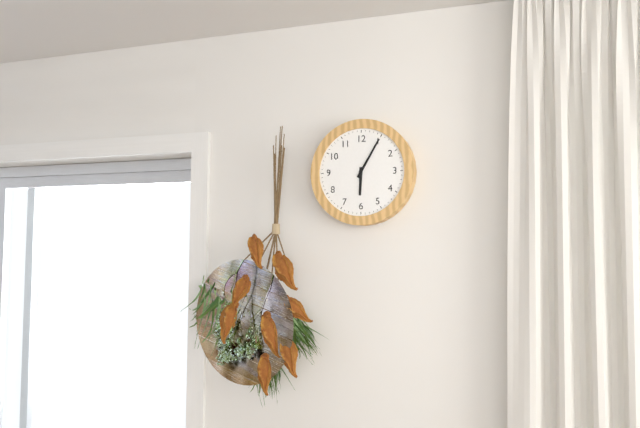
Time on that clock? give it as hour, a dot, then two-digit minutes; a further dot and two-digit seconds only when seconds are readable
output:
6.05
